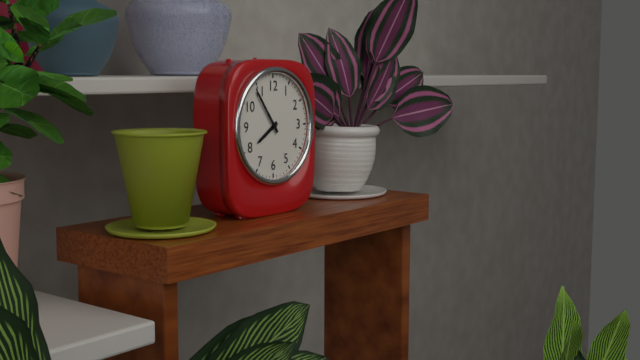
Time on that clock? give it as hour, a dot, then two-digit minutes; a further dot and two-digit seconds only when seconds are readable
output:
7.54
